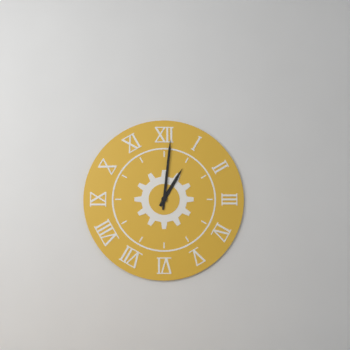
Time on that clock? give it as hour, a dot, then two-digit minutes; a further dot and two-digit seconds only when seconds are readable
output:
1.01
